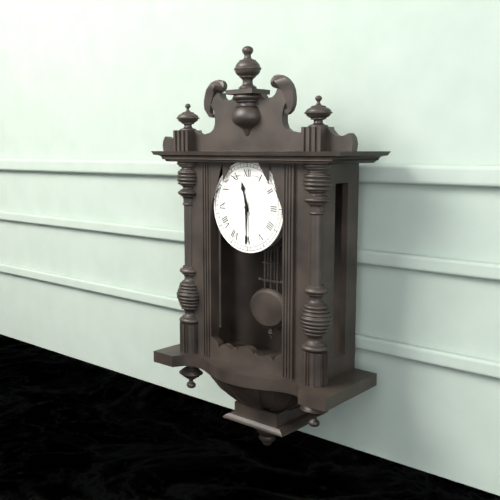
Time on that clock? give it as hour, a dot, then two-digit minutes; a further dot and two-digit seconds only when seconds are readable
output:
11.30
